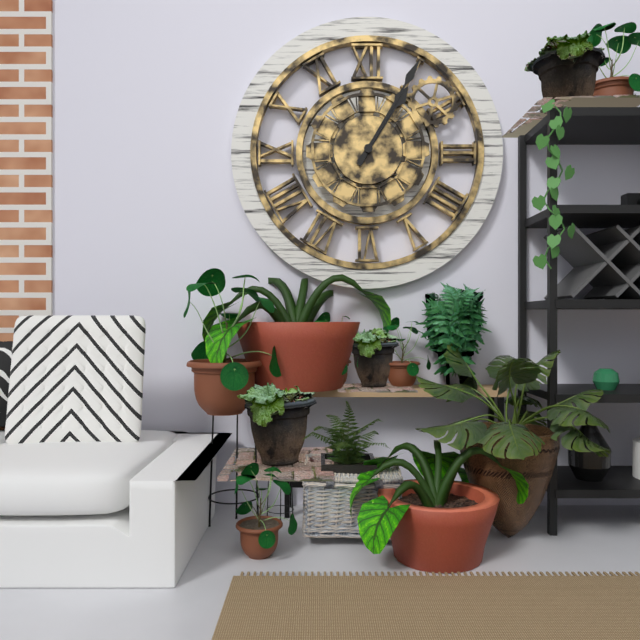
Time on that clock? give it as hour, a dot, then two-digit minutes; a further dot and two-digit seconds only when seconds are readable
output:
1.05
